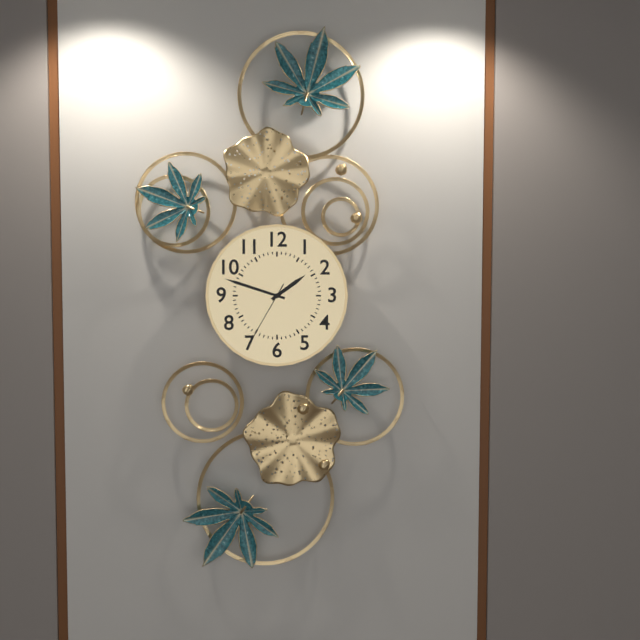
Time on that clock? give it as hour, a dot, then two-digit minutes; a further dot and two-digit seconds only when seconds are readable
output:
1.48.35
